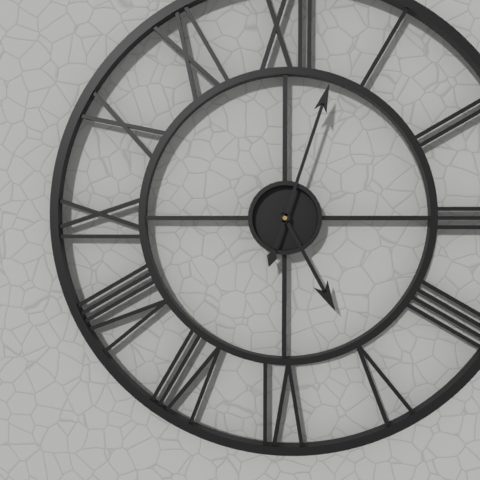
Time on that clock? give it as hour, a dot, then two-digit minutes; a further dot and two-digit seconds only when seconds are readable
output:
5.03
